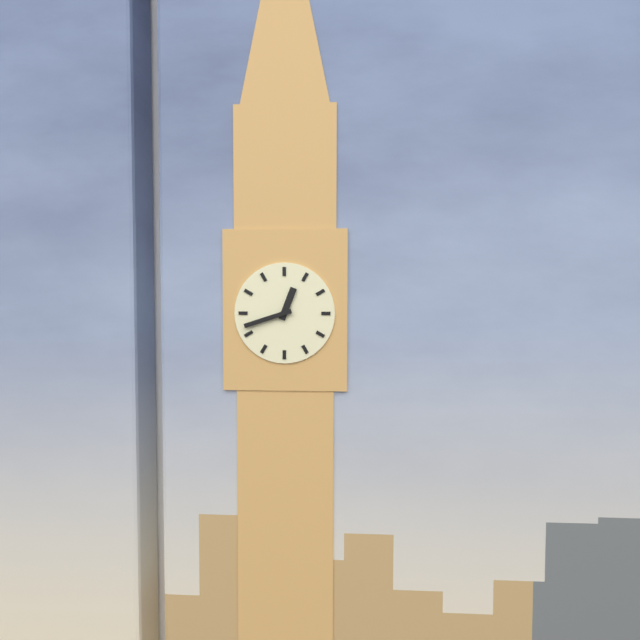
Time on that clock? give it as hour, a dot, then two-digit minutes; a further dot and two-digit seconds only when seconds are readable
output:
12.42
